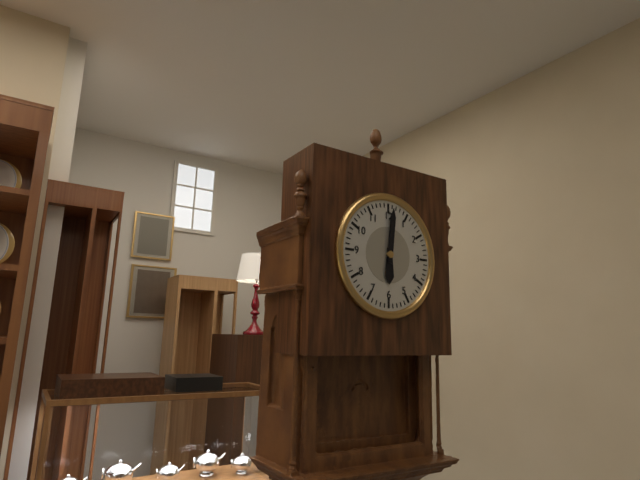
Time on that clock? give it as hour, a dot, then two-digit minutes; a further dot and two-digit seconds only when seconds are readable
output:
6.01
